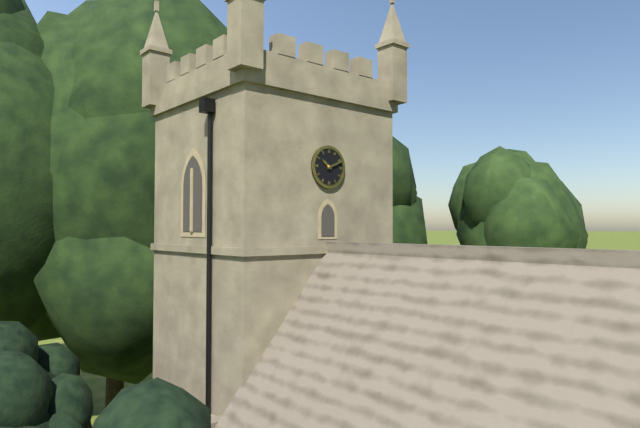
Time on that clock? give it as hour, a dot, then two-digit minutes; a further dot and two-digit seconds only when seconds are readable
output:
10.11
